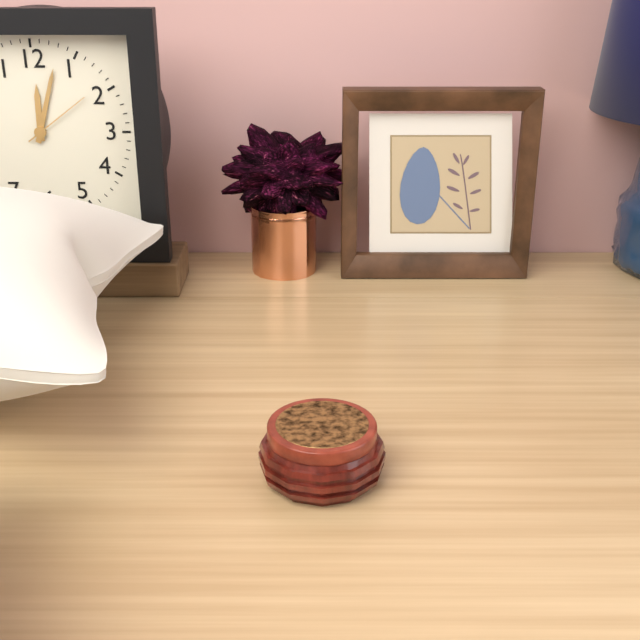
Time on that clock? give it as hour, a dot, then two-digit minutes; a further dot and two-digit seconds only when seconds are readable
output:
12.03.09
